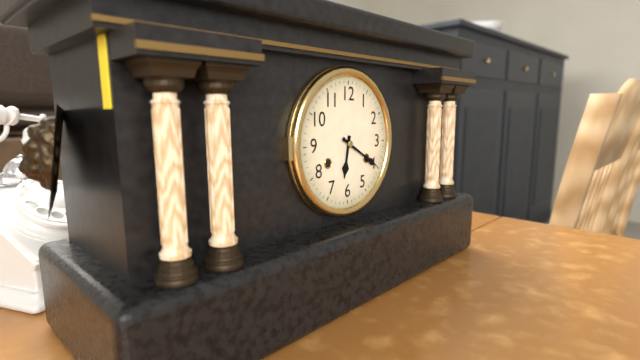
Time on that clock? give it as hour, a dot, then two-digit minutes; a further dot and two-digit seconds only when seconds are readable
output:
6.20
